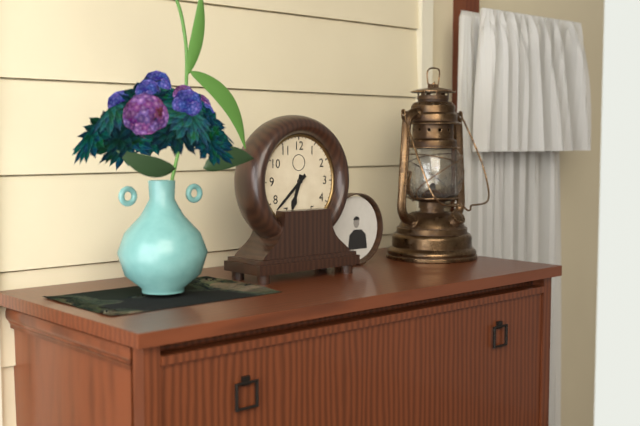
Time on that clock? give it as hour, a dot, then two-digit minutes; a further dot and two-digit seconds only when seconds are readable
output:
6.38
